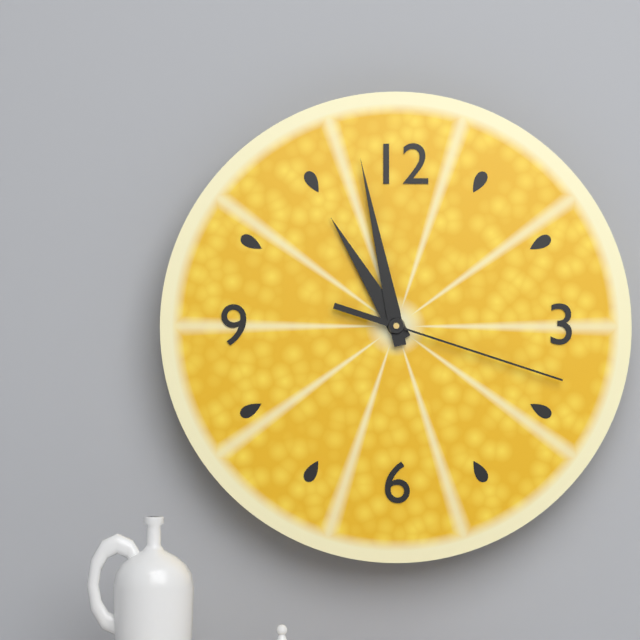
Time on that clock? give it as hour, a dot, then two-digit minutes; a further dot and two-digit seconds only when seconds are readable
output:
10.58.18
